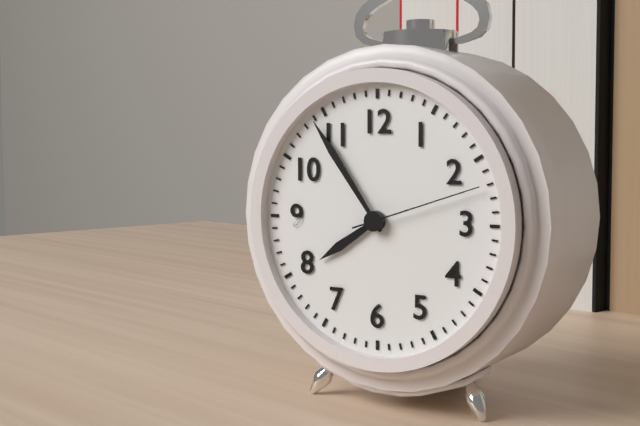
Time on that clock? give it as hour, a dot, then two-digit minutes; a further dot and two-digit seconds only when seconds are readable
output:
7.54.12
